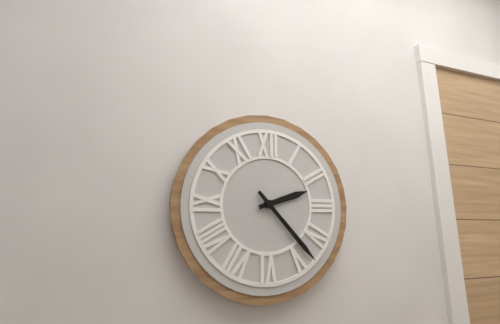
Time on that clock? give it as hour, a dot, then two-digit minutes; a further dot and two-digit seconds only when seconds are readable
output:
2.23
